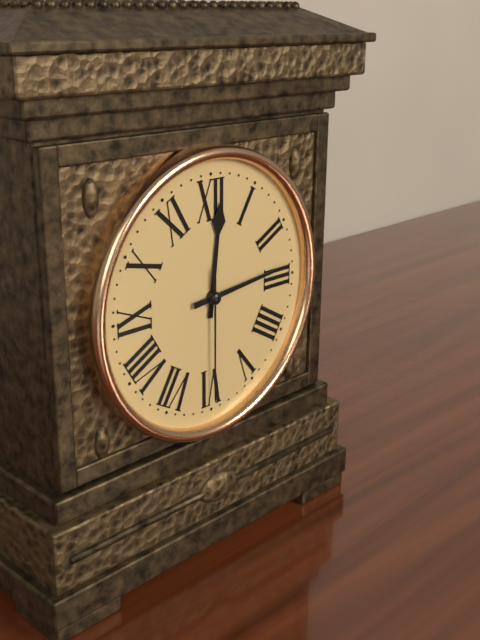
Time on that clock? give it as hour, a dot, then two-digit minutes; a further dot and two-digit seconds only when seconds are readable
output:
12.14.30
